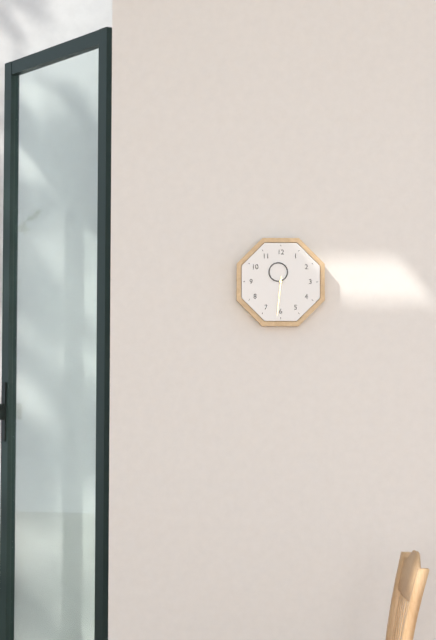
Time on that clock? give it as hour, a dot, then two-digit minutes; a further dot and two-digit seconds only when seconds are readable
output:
11.31
